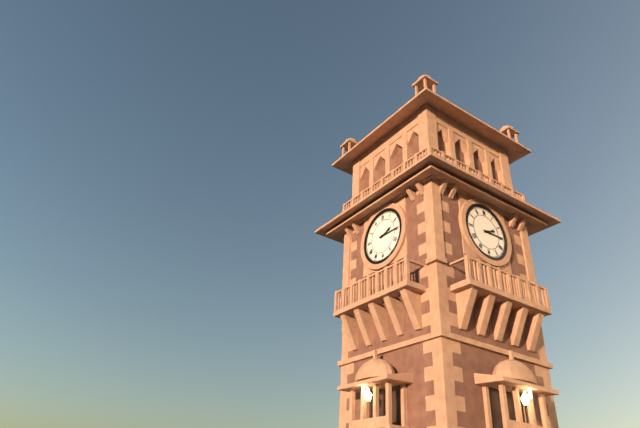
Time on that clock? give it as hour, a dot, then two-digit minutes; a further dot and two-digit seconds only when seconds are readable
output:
2.15
